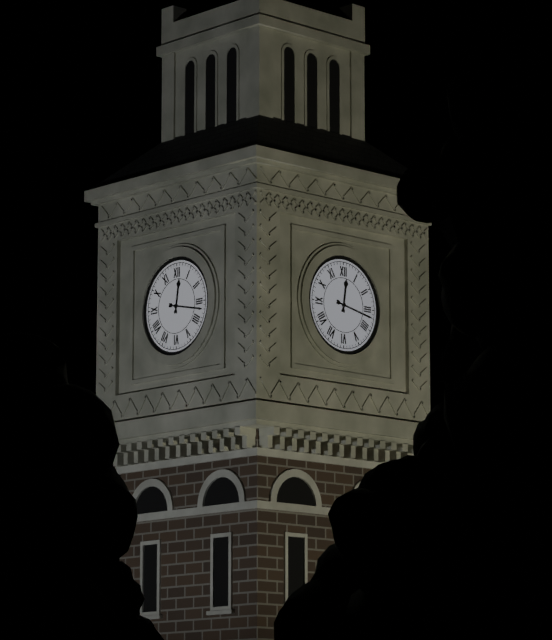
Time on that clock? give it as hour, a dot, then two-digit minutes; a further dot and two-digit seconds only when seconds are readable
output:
12.17
